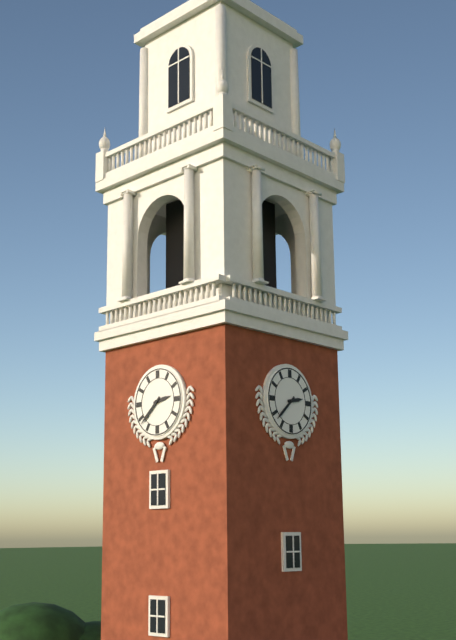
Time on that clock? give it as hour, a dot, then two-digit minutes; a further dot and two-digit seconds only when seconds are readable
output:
2.38
